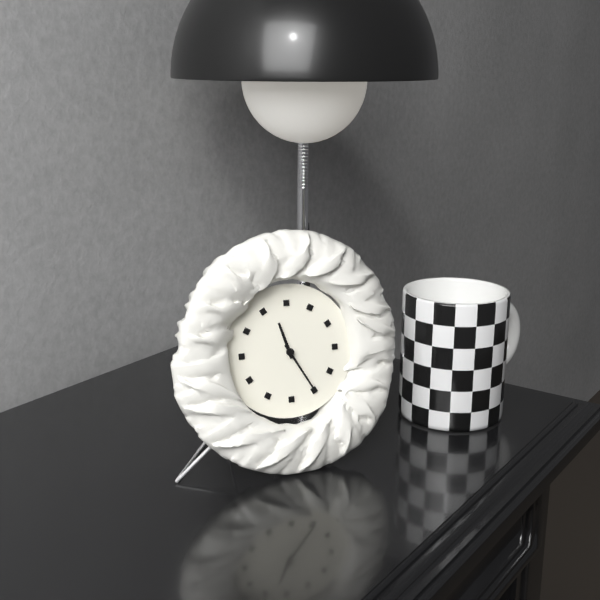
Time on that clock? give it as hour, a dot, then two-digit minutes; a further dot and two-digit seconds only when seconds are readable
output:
11.25
